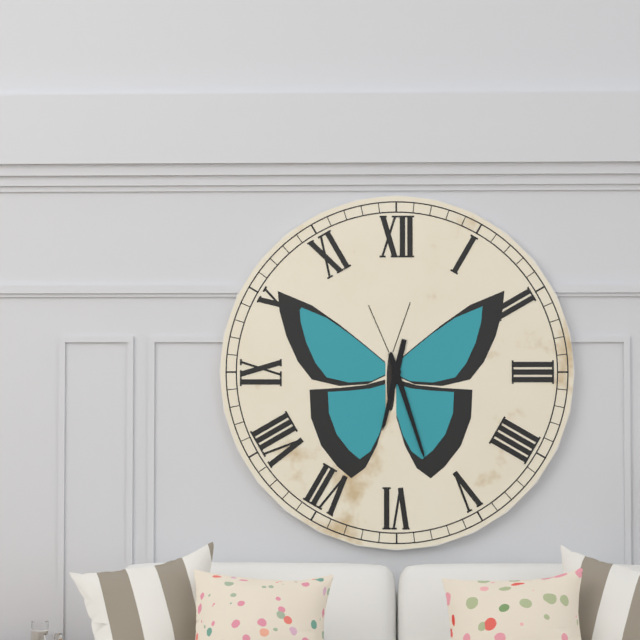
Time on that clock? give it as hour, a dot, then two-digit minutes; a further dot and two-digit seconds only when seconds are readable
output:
6.27
